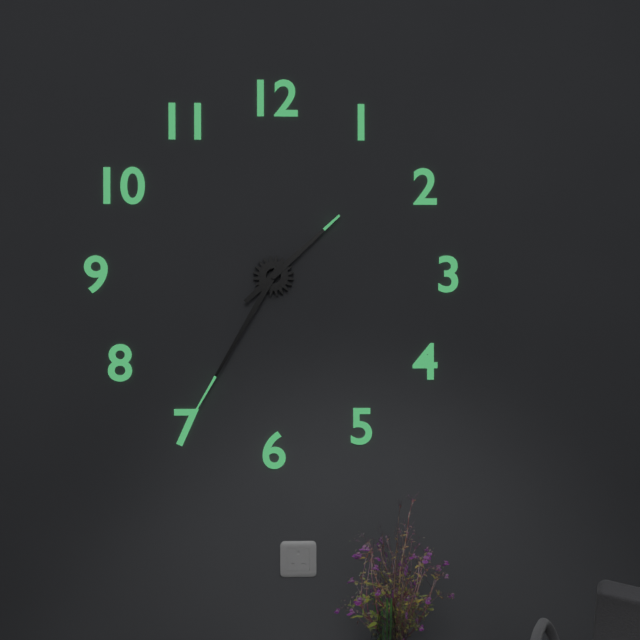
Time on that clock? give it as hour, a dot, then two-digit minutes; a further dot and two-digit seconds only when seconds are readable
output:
1.35
